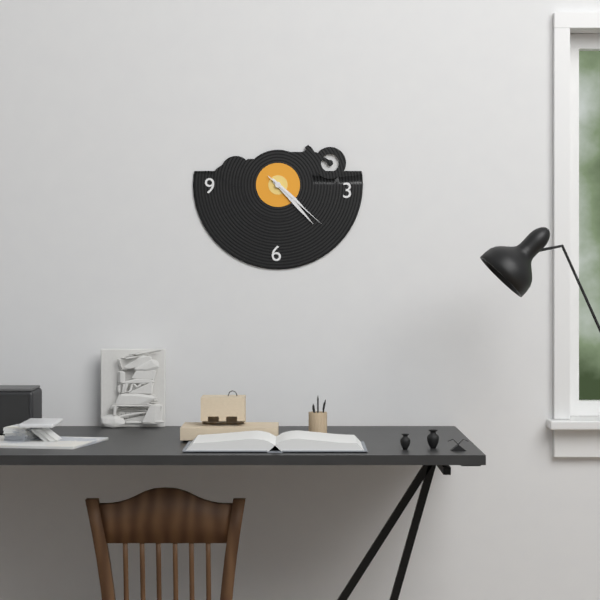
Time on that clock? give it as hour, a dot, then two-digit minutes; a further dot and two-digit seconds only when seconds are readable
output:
4.23.22
